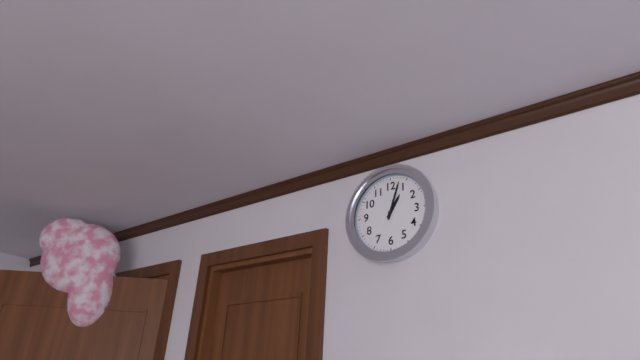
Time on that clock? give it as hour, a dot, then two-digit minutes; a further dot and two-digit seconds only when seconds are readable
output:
1.03
